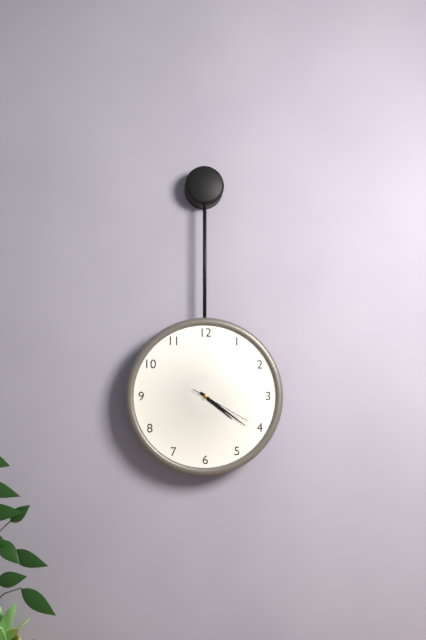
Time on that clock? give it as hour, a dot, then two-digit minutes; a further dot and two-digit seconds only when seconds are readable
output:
4.21.20
